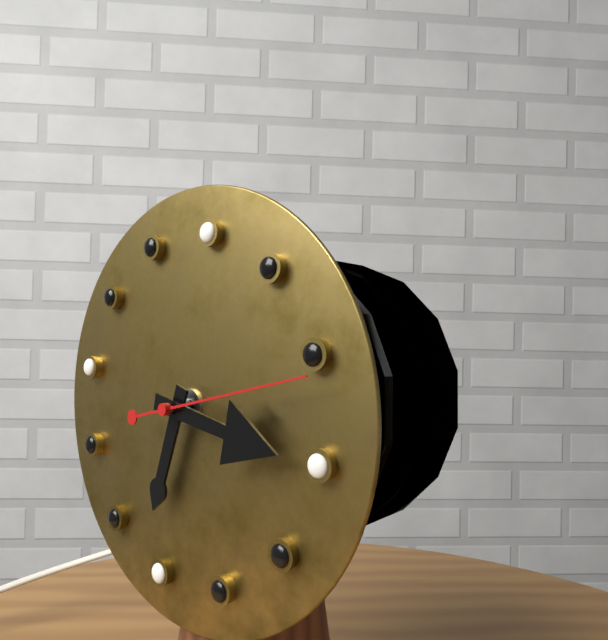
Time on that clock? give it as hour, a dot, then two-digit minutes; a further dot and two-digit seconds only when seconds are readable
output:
6.15.11
